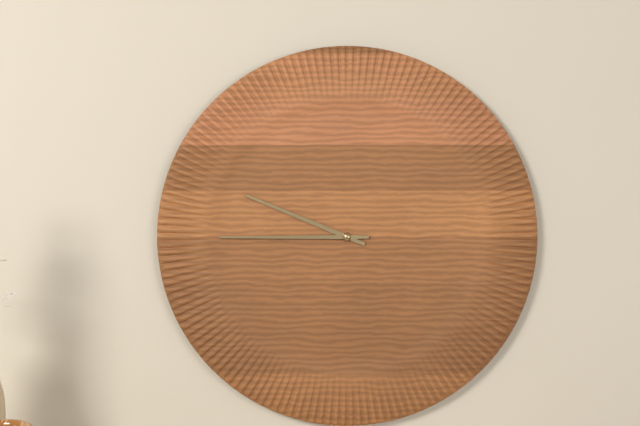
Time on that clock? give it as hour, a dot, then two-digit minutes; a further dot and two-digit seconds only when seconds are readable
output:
9.45
